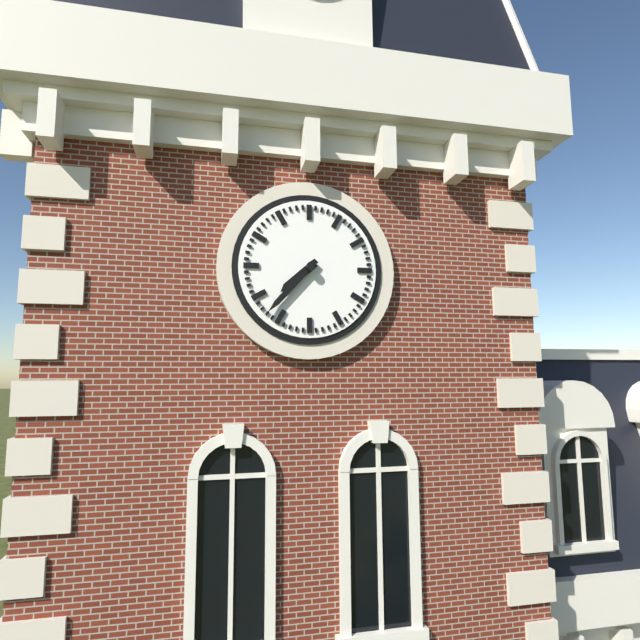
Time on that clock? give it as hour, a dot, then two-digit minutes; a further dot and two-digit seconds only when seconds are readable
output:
7.37
